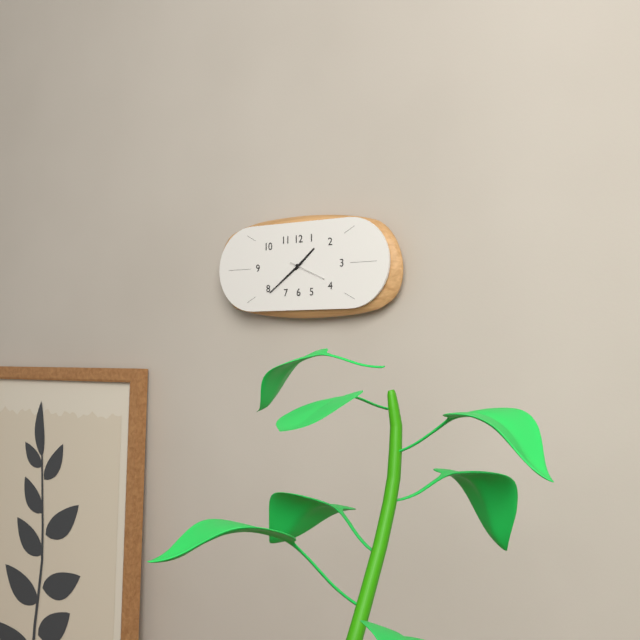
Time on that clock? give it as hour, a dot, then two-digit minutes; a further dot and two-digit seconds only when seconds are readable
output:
1.39
